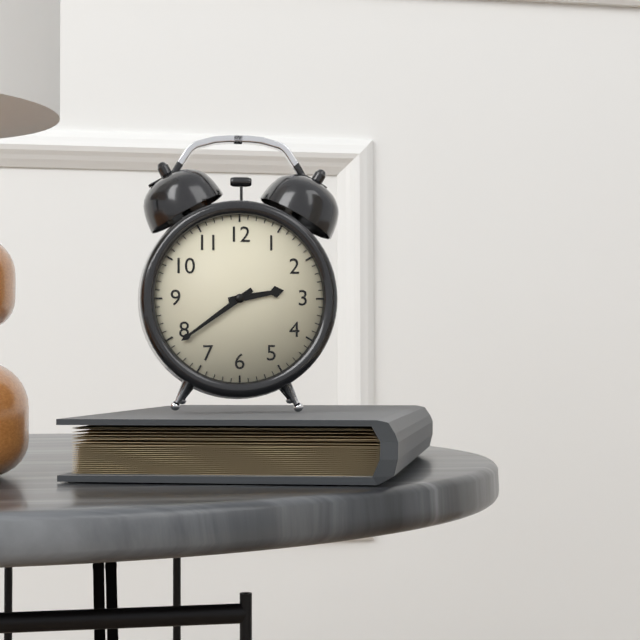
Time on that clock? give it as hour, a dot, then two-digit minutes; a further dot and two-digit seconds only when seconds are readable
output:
2.39
